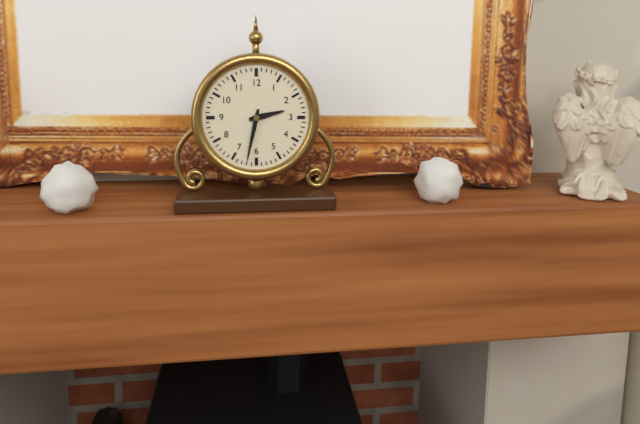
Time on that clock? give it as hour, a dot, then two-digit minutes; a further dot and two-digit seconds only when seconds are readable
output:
2.32
